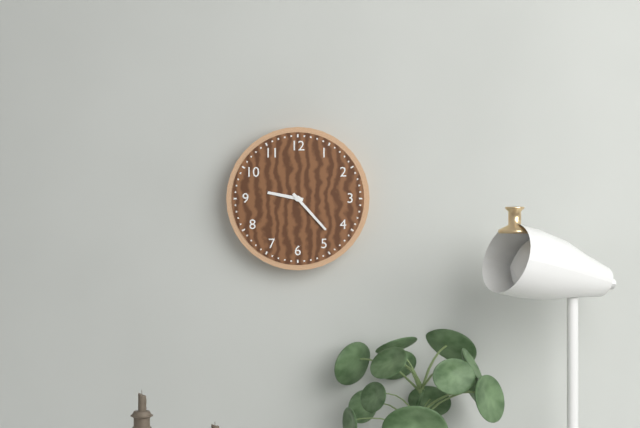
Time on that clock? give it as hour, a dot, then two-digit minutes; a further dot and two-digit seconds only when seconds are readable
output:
9.23
